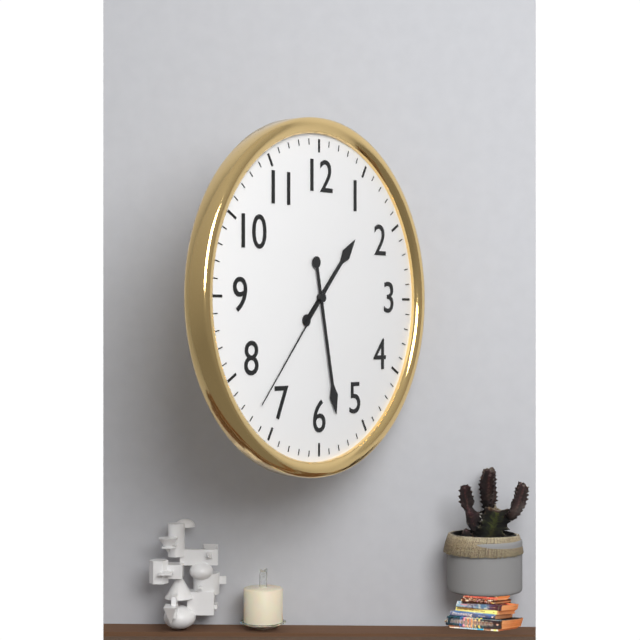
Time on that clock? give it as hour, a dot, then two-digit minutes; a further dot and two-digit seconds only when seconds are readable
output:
1.28.37
